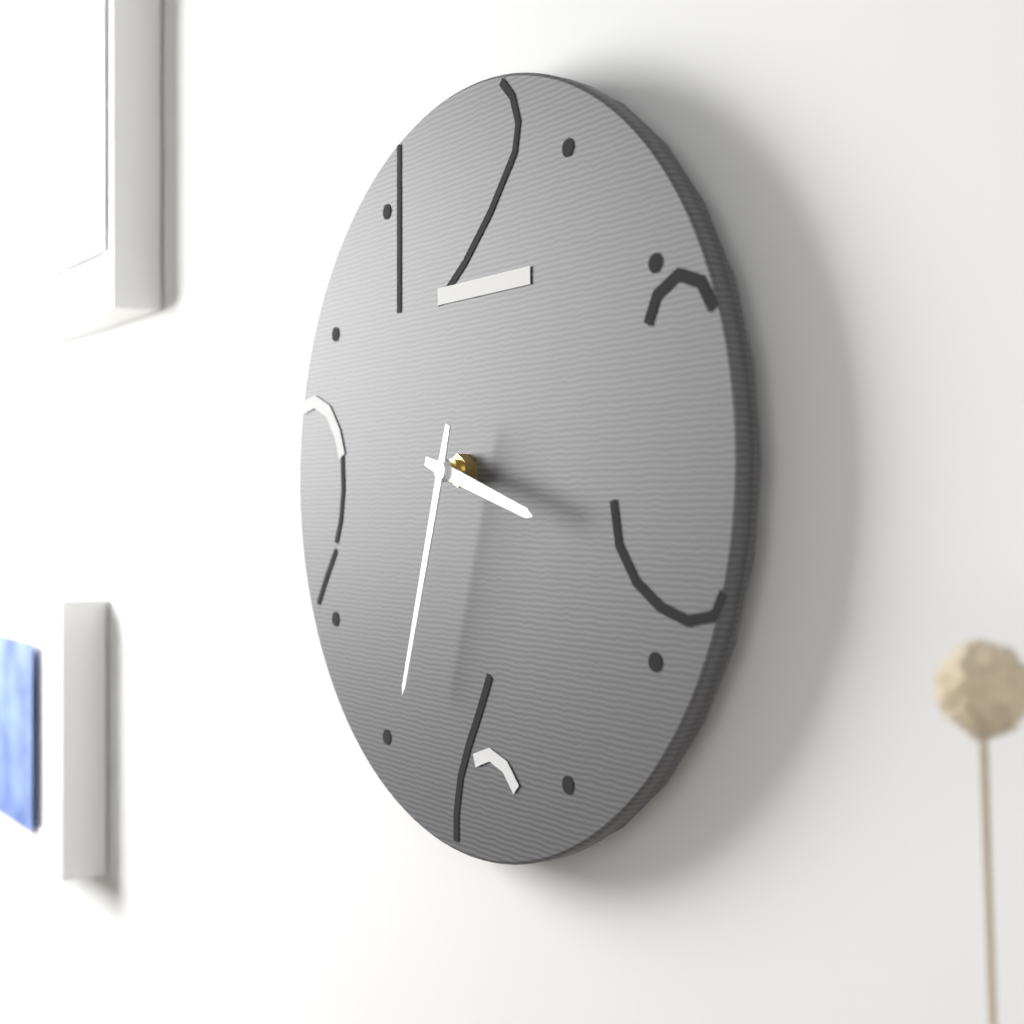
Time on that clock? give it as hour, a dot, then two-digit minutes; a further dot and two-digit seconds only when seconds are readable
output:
3.33
